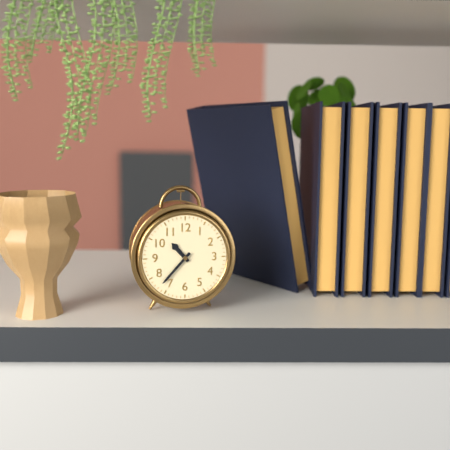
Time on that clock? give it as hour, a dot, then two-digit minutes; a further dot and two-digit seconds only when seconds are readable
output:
10.37
